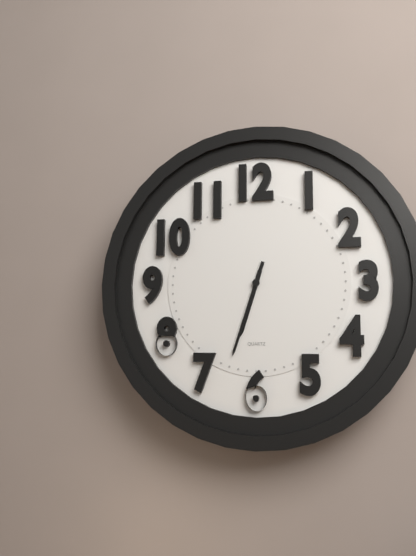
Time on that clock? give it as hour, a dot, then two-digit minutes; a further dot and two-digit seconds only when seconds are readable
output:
6.33
